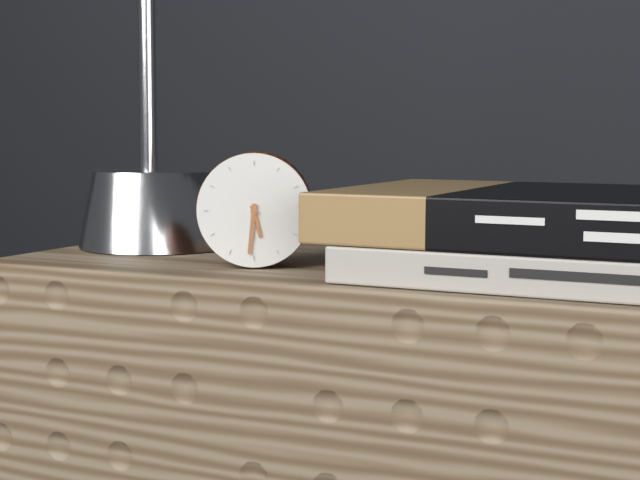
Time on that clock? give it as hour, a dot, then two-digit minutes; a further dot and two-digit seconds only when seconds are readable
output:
5.31
